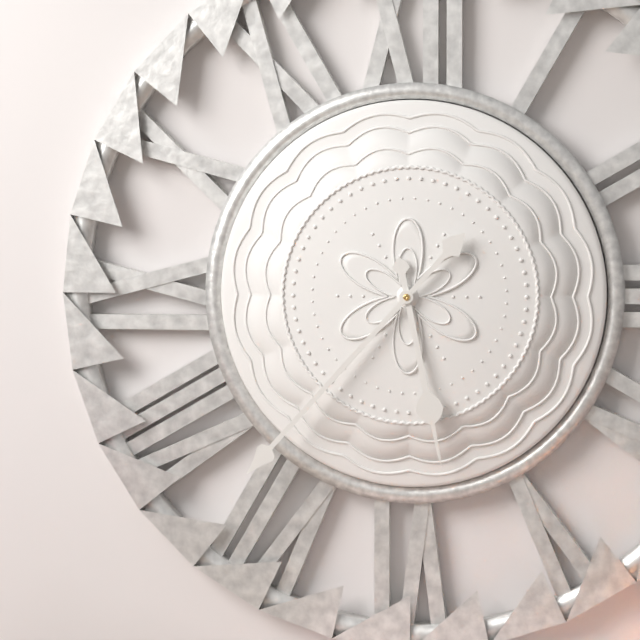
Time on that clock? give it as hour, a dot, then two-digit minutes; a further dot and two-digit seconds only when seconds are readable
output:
5.37
